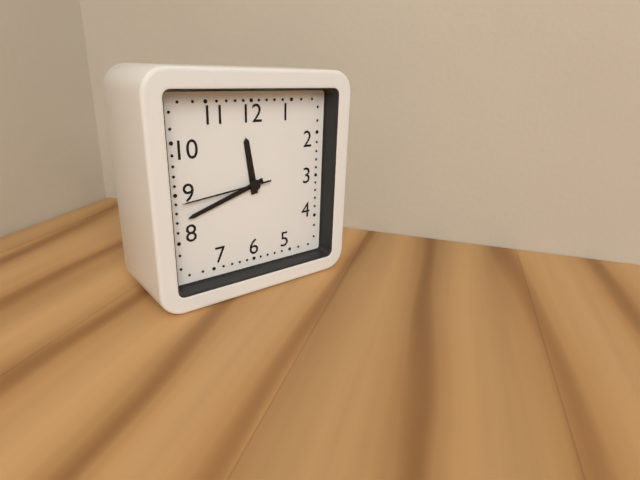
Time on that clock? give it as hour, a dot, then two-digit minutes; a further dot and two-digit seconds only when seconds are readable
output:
11.42.44
